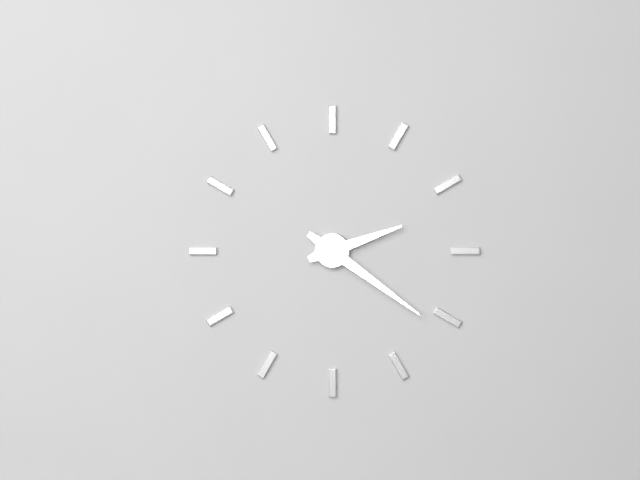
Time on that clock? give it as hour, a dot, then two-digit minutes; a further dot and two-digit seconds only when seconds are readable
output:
2.21
